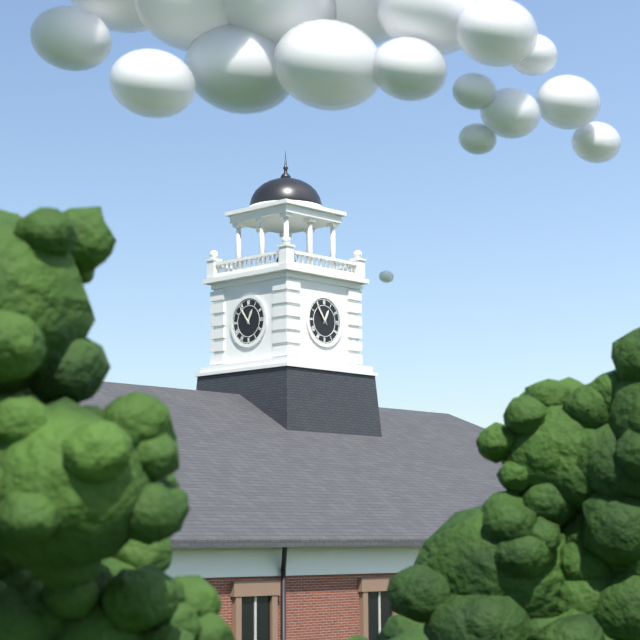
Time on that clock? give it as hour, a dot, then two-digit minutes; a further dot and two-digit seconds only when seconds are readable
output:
12.54
